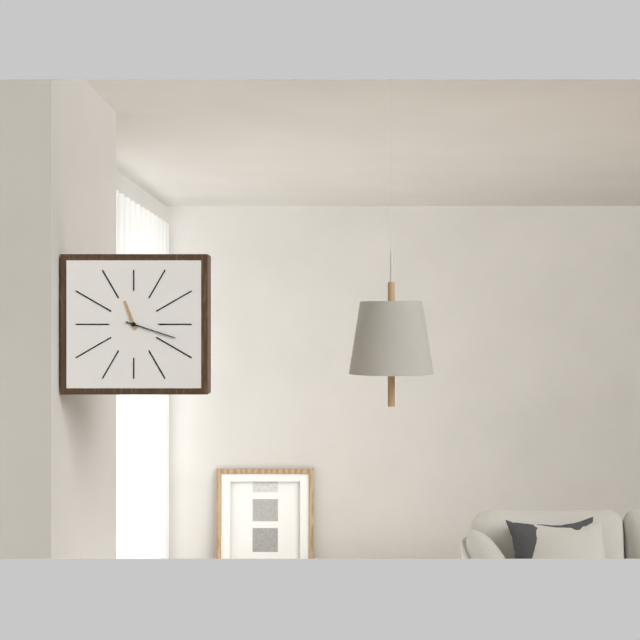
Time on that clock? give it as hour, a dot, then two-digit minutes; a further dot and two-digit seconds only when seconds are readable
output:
11.18
